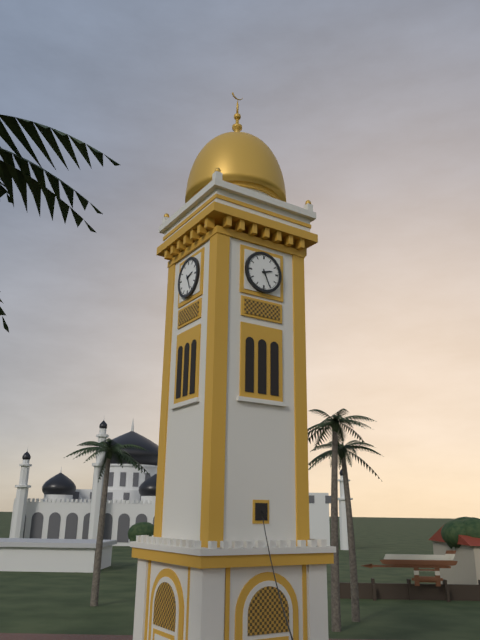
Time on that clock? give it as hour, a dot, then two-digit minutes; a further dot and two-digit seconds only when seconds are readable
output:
2.26
